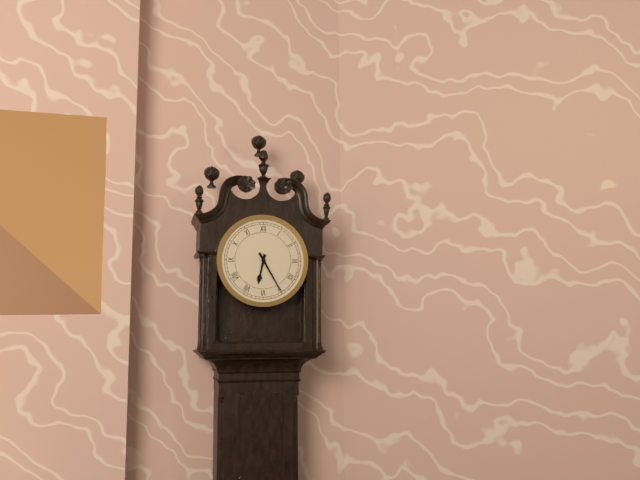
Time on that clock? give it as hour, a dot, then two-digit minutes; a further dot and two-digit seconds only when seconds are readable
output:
6.25
